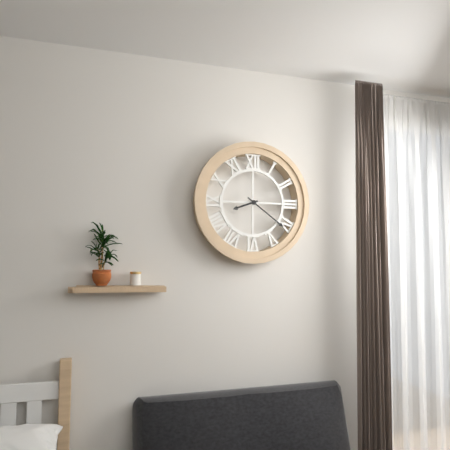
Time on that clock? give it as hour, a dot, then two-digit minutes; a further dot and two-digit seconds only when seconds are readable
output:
8.21
